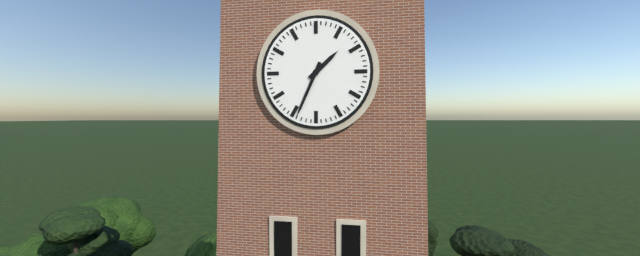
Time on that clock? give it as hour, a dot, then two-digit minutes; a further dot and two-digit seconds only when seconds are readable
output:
1.34
